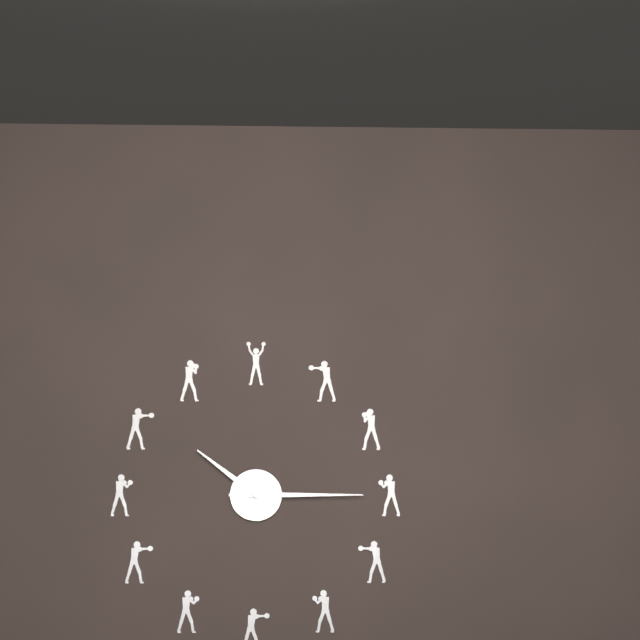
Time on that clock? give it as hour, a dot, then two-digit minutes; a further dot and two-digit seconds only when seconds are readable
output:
10.15
